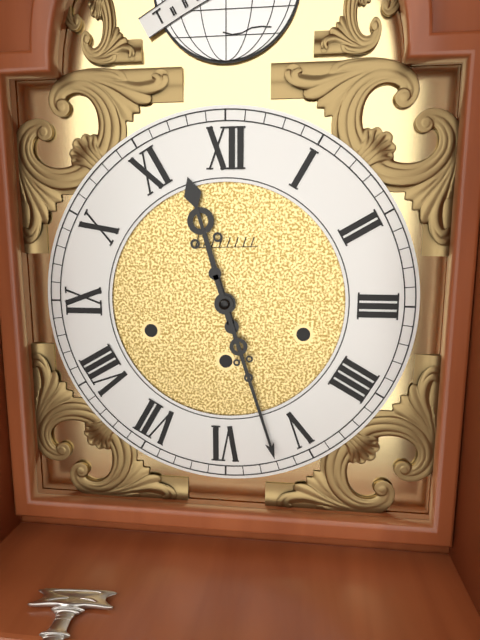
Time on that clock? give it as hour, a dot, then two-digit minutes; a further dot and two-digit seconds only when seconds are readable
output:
11.27
